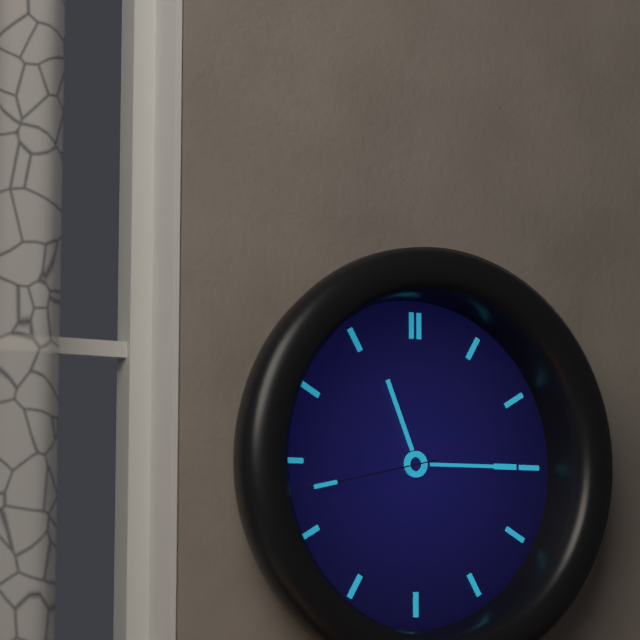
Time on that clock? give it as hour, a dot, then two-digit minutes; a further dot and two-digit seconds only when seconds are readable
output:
11.15.43
